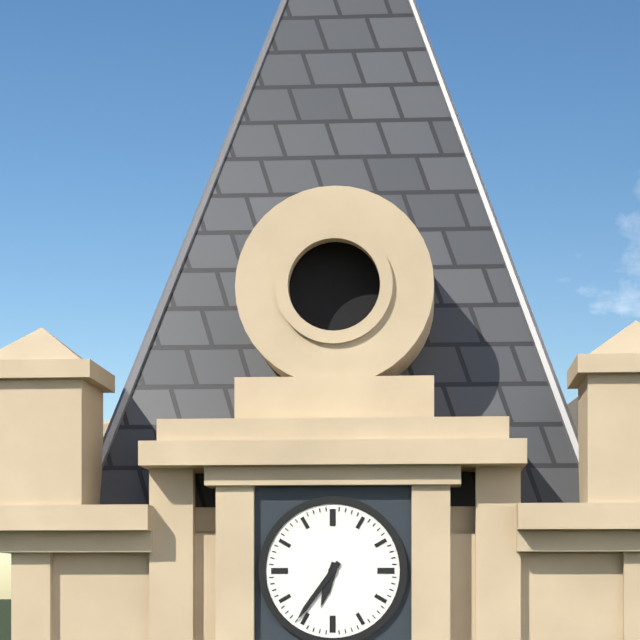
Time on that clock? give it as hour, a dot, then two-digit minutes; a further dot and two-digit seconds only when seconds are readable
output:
6.36
